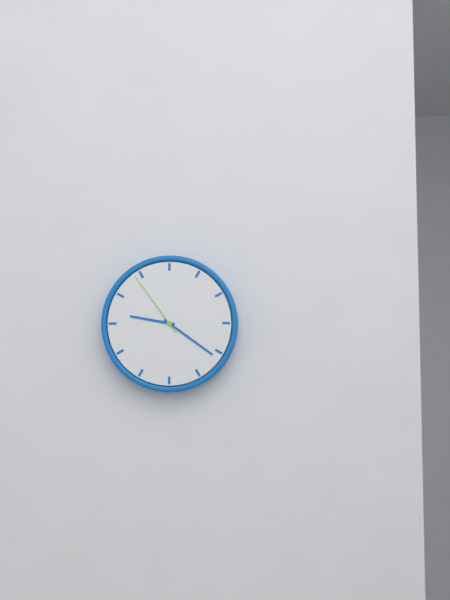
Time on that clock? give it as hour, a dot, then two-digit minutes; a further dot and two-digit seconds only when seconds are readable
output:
9.21.54
